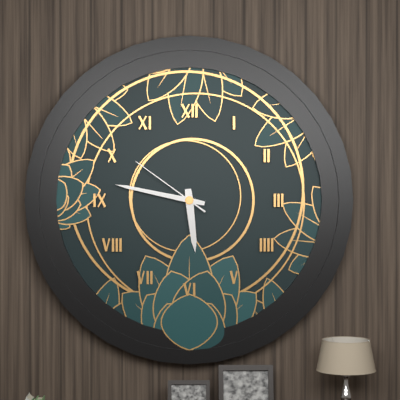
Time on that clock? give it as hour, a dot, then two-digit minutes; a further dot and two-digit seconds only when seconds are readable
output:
5.47.51
